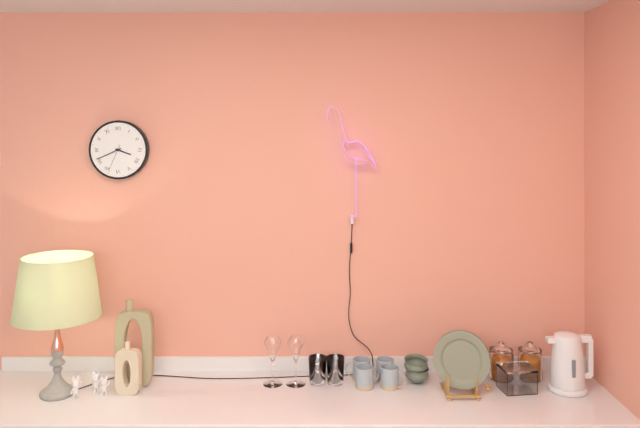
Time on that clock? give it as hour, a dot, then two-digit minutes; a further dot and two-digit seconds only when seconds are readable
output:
3.41
